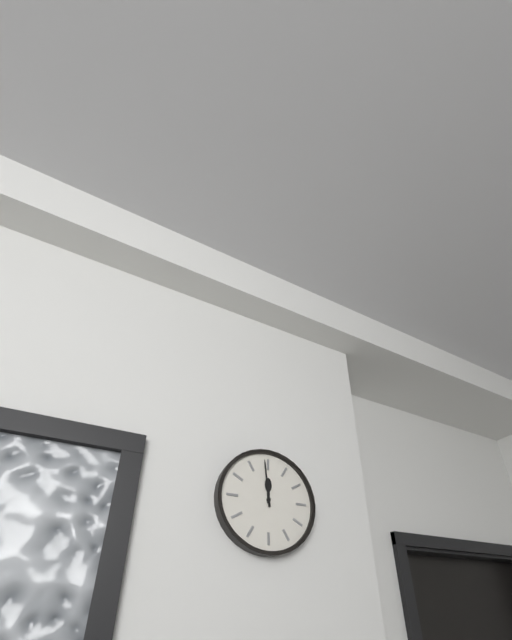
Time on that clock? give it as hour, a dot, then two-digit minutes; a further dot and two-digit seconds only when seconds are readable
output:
11.59
